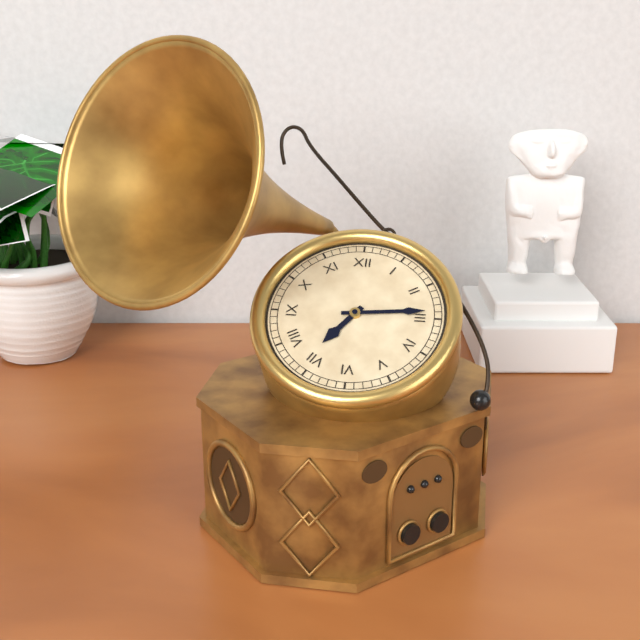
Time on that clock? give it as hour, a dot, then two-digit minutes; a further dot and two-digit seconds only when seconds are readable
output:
7.14
